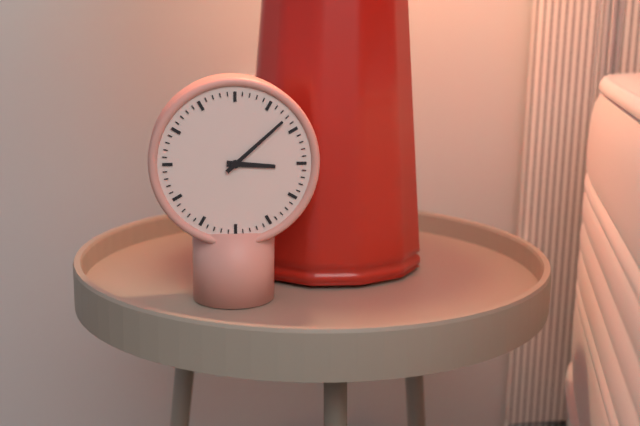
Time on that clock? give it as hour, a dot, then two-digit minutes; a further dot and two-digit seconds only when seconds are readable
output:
3.08
